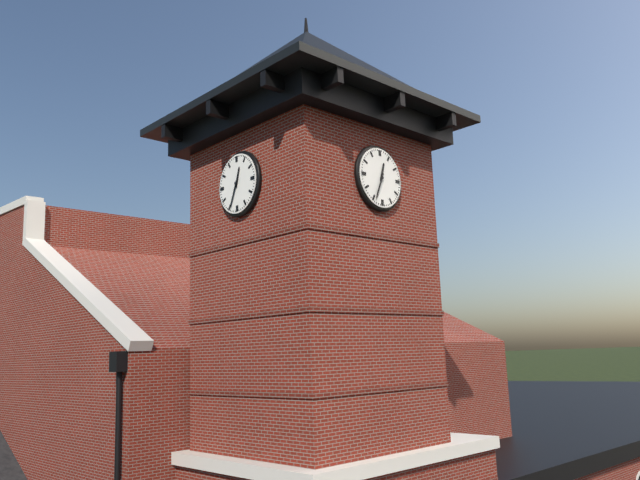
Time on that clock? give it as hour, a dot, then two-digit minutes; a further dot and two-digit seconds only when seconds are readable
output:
12.34
